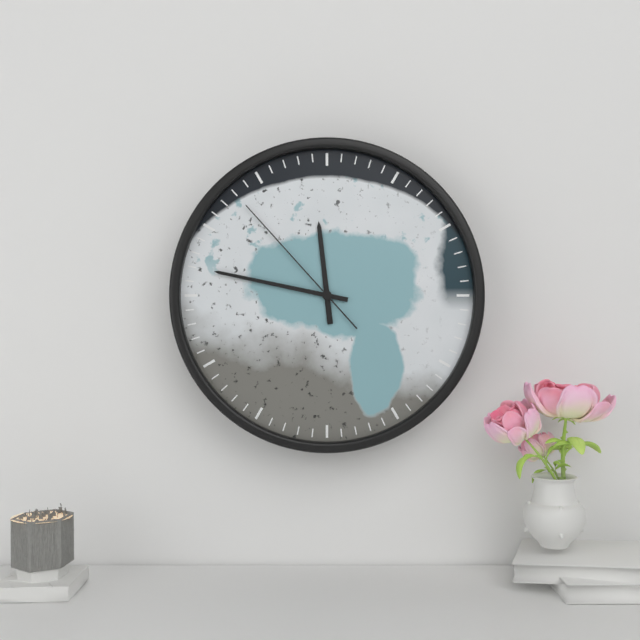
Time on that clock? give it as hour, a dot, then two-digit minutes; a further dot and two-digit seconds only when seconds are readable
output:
11.47.53
